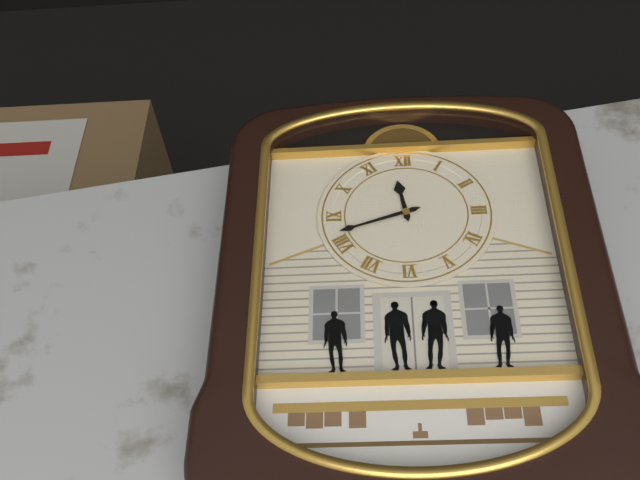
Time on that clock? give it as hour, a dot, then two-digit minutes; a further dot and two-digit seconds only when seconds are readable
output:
11.42
